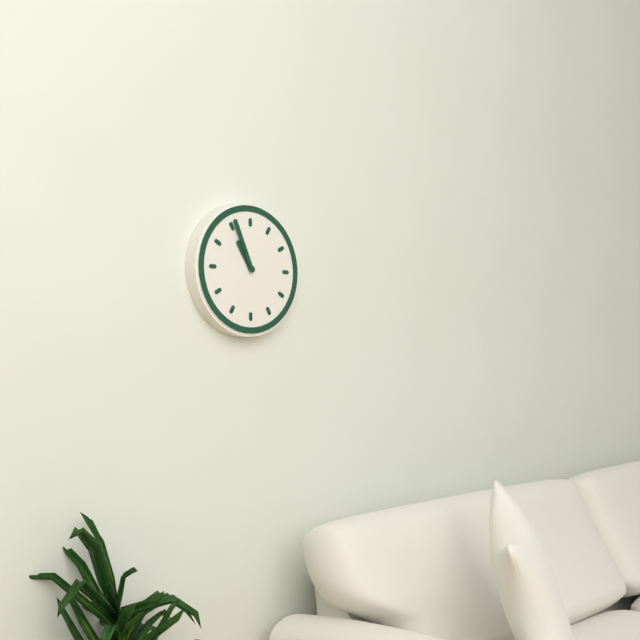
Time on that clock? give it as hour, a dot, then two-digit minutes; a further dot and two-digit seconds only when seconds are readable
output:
10.56
